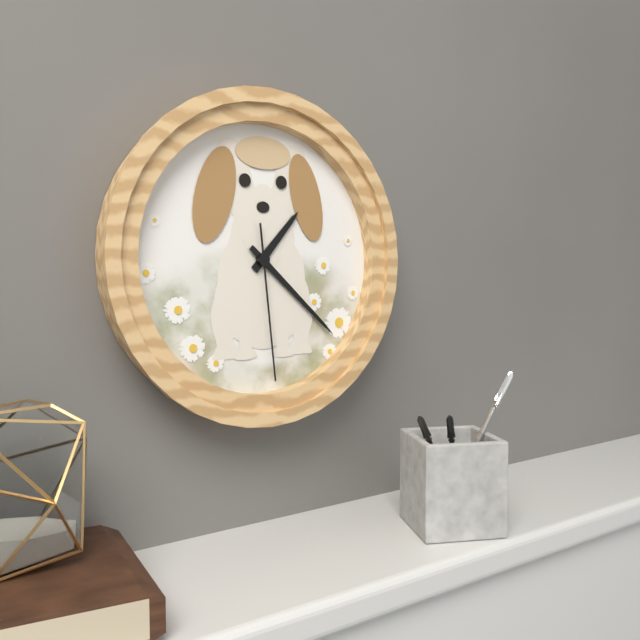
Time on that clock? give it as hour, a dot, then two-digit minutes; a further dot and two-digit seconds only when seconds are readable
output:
1.22.29
